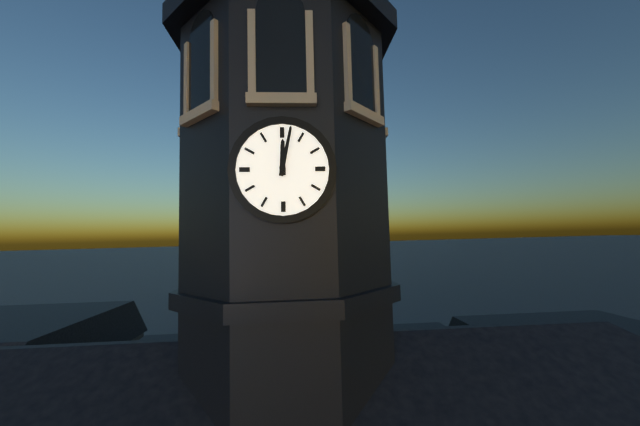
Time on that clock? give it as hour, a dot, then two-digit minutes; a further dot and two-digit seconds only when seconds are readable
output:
12.02
